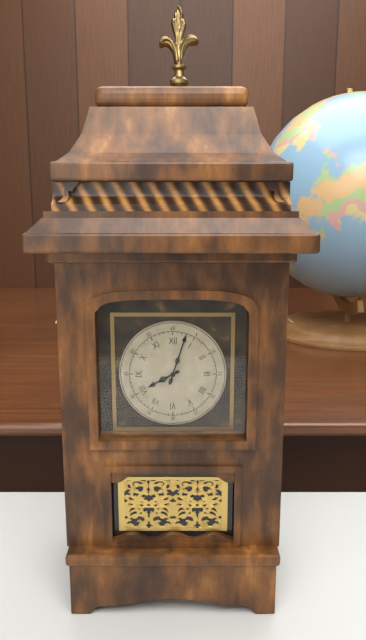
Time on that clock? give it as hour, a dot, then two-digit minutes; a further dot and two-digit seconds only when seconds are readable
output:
8.03
